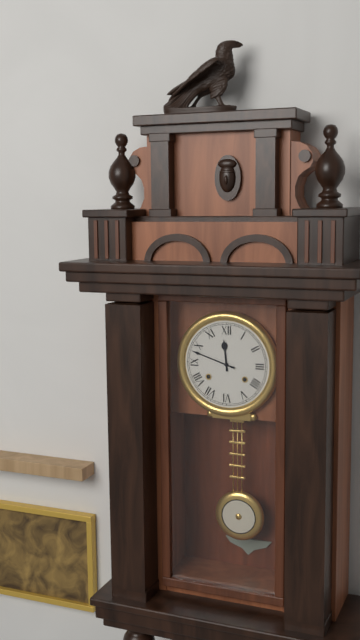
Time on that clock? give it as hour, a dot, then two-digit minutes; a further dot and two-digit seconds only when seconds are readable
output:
11.48
